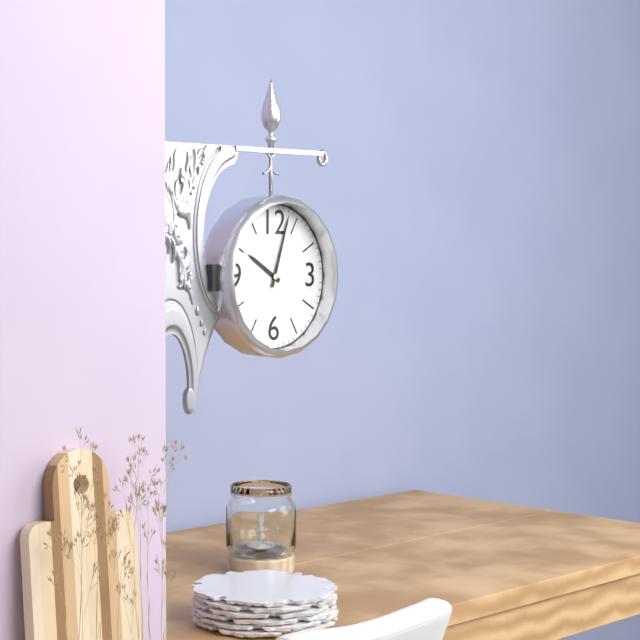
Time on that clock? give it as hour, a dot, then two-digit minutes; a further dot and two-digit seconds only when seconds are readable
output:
10.03
